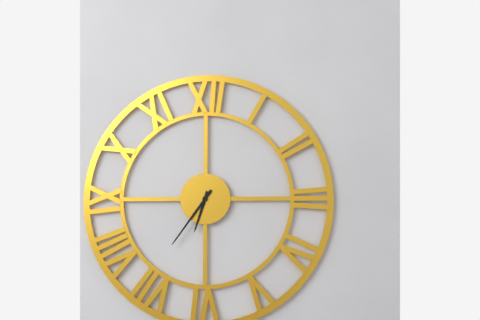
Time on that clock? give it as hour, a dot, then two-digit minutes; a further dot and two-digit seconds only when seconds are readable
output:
6.36
